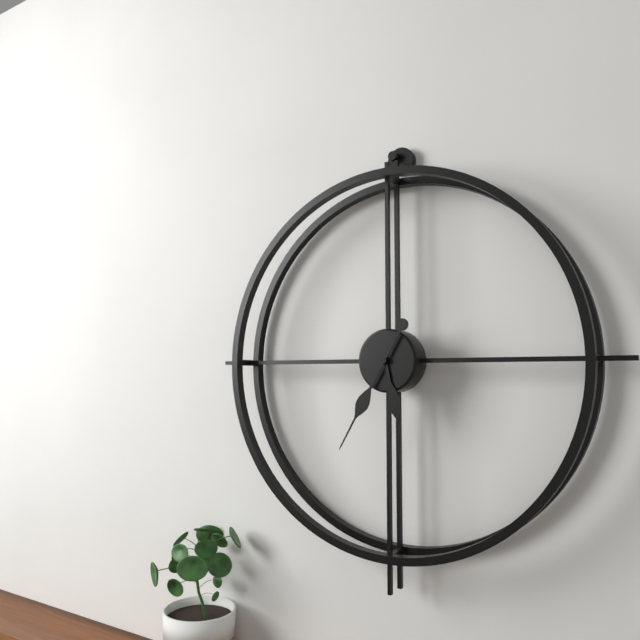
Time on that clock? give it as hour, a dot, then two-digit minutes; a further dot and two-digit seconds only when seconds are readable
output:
5.35
